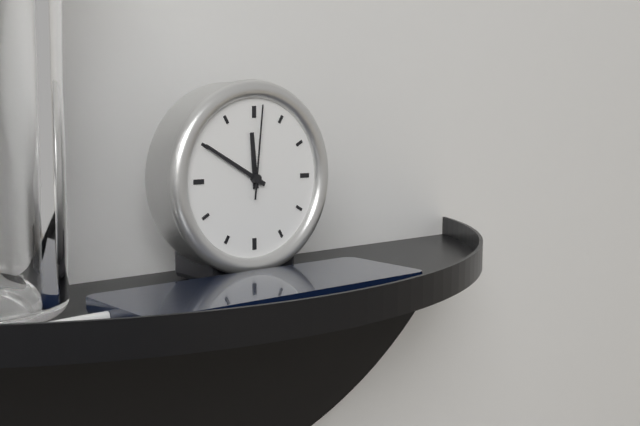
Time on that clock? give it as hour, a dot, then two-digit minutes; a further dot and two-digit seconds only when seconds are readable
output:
11.50.01
